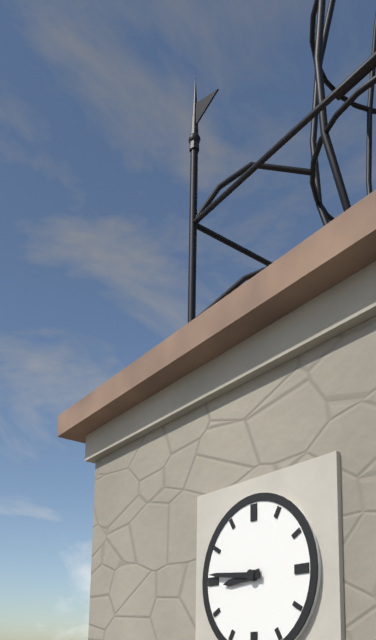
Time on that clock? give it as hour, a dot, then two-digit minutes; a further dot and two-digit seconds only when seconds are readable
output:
8.46
